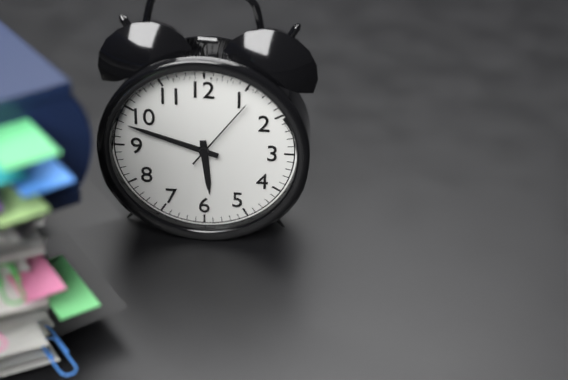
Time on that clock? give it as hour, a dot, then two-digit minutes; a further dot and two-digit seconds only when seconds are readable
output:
5.48.06
